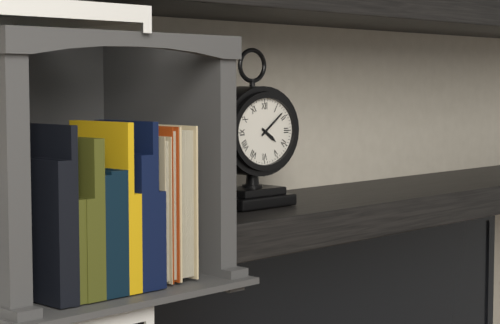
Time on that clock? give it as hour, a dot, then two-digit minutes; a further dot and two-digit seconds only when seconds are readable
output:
4.09
